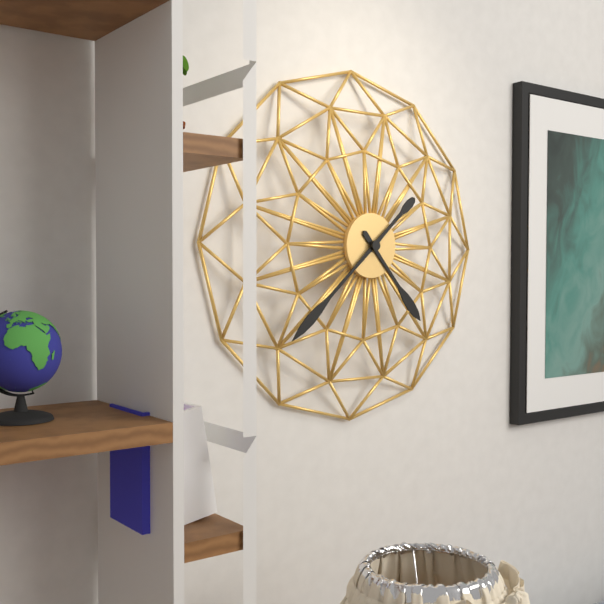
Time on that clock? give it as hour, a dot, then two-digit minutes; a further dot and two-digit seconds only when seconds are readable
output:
4.38
